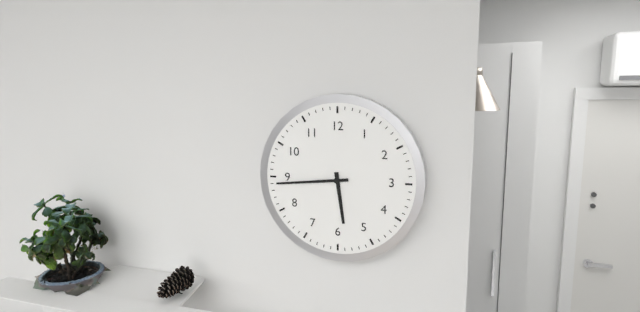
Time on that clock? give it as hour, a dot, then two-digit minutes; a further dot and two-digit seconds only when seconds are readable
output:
5.44
